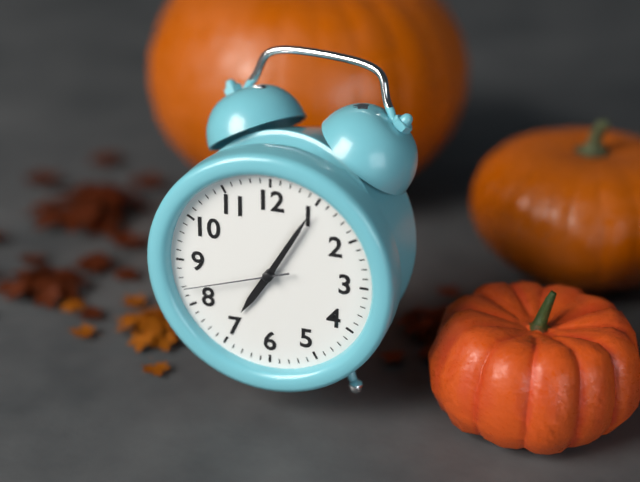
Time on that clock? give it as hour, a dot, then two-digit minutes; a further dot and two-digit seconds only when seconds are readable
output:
7.05.42
